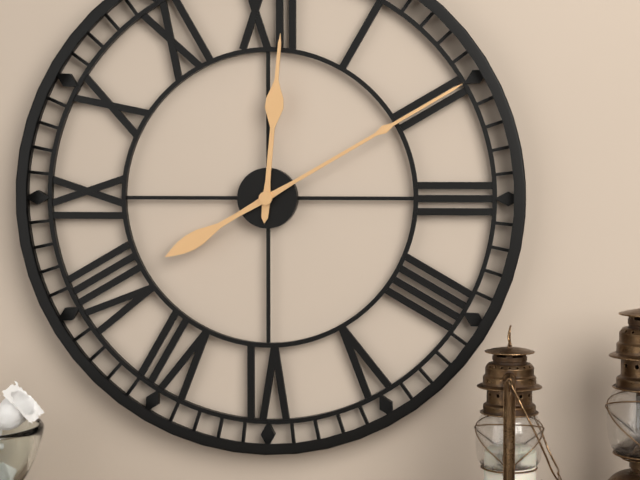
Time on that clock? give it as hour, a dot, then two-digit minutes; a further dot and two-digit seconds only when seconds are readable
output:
12.10
